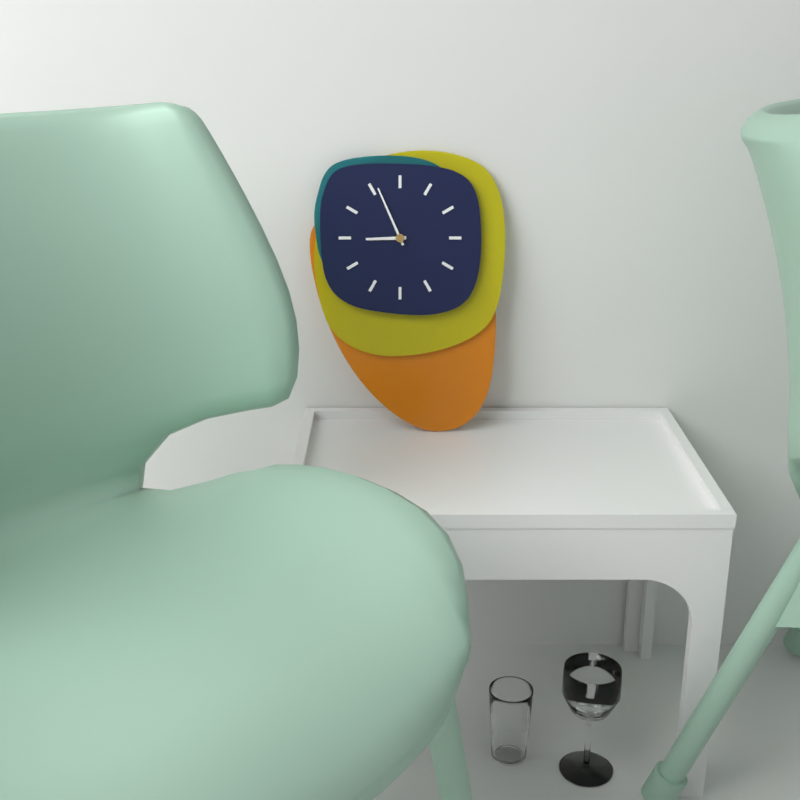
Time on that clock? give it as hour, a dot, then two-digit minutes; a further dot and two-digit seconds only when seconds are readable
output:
8.56
